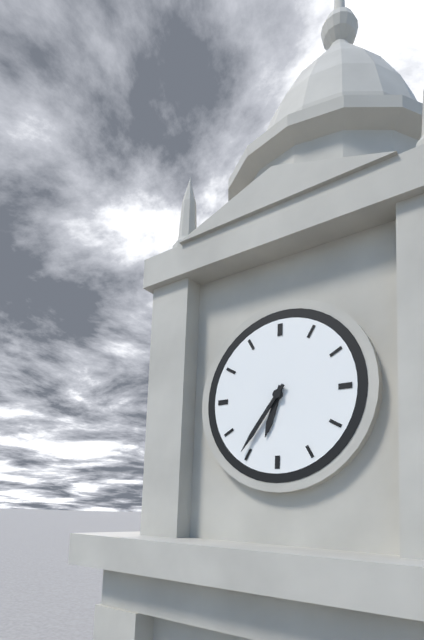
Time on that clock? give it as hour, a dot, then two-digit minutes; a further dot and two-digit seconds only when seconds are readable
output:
6.36
